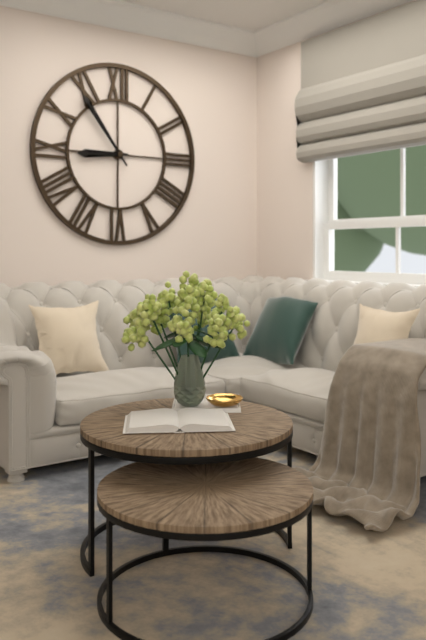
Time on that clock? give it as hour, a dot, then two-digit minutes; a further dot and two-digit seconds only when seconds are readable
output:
8.54
